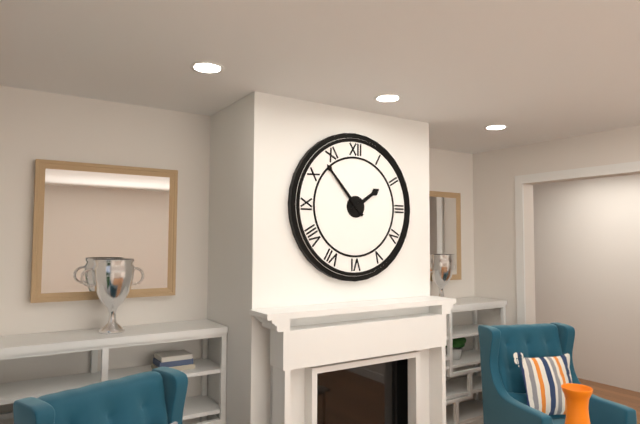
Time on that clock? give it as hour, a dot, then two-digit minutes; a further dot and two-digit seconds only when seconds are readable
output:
1.53
